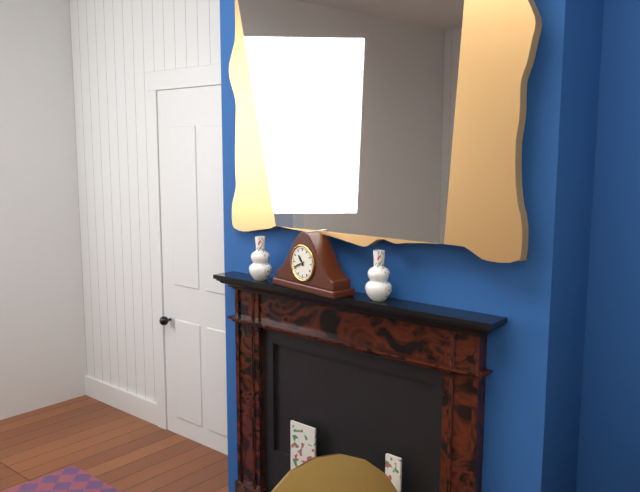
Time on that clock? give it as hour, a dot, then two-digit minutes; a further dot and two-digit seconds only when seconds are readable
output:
10.41
